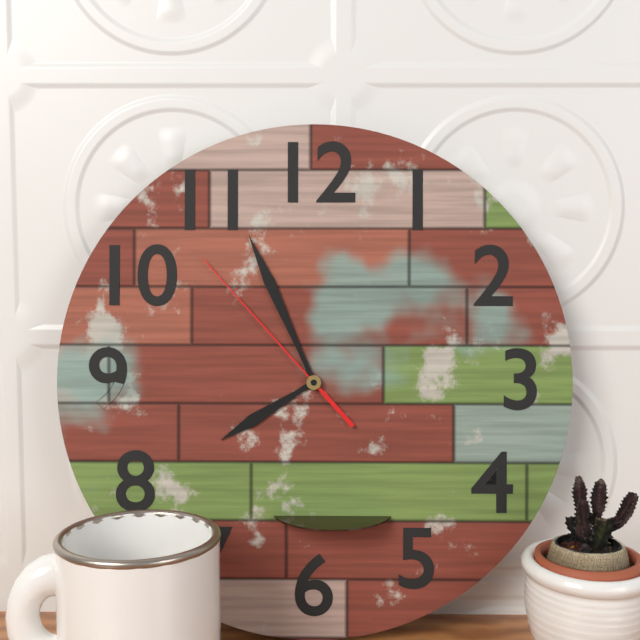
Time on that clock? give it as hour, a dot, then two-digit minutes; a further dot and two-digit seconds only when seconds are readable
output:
7.56.53
